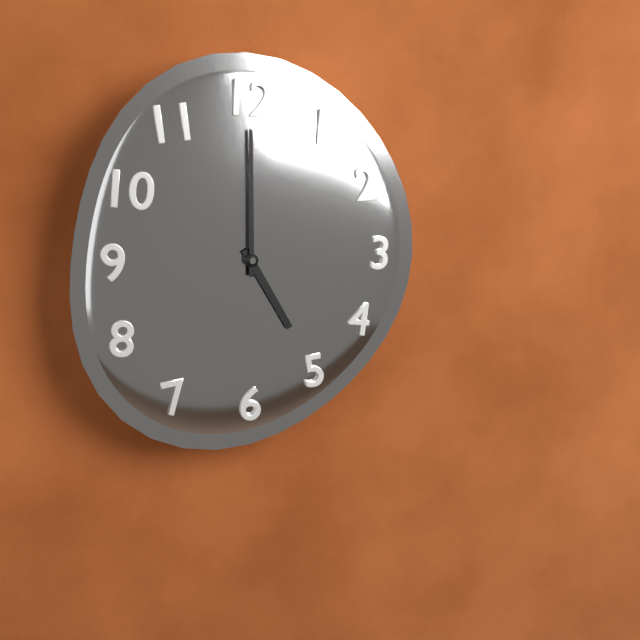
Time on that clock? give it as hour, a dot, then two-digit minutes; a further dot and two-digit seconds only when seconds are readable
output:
5.00
